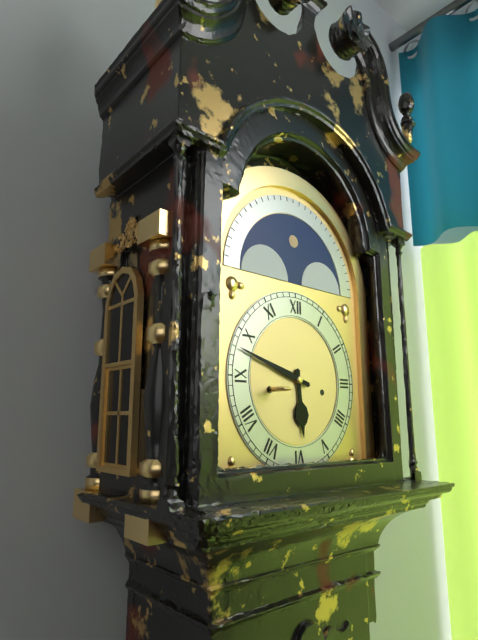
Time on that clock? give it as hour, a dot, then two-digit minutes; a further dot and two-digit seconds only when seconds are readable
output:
5.48
